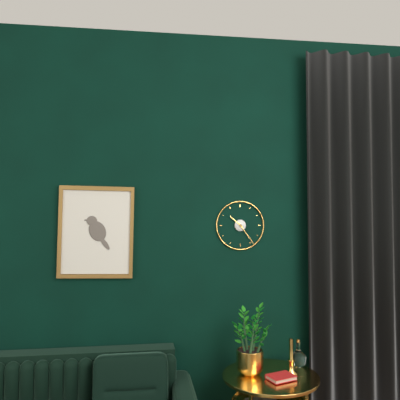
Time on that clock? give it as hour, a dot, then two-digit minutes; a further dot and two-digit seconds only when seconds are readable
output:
10.24
